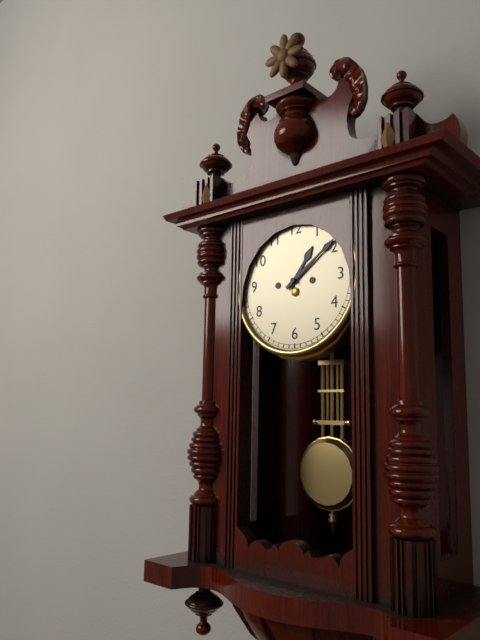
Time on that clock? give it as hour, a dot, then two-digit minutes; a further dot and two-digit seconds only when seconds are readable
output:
1.09
